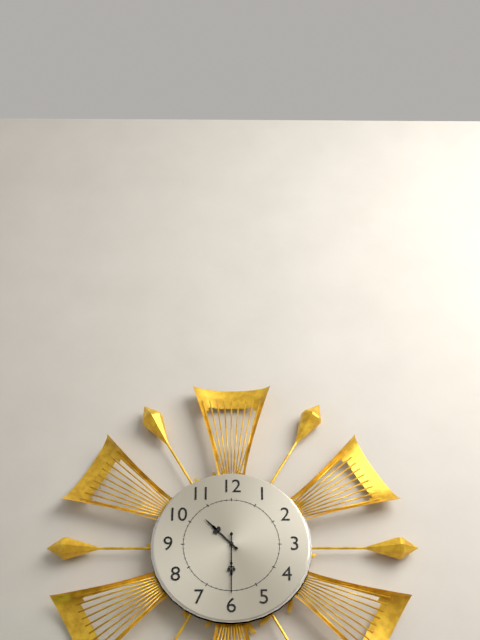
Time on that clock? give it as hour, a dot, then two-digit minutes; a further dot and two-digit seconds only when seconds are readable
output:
10.30
